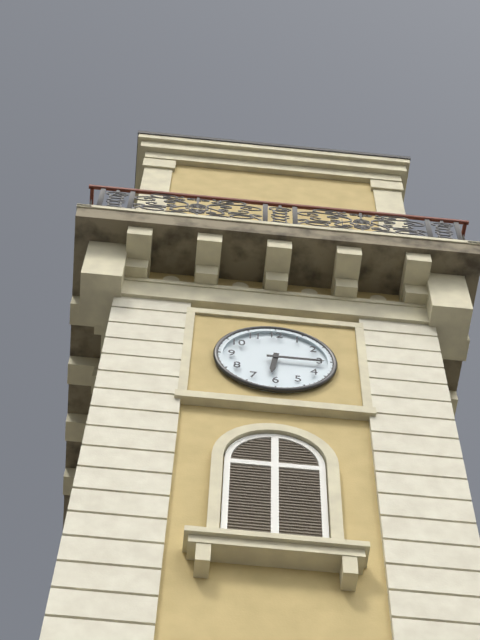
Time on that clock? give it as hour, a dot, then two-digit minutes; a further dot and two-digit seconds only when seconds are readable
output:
6.15
